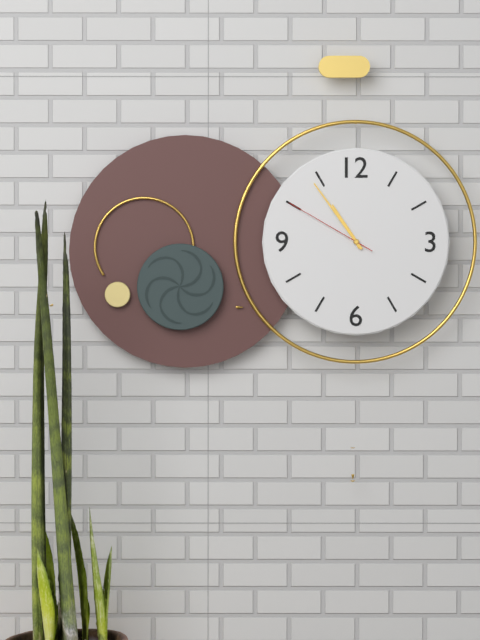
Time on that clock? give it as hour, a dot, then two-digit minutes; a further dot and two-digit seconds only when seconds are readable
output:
10.54.50
